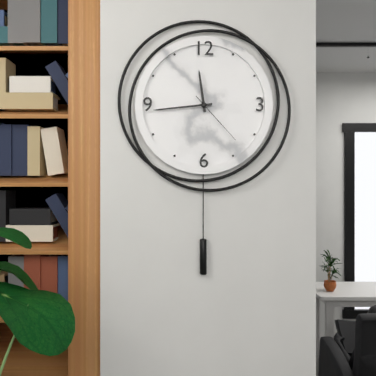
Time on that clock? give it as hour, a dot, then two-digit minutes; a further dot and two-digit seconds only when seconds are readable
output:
11.44.23
